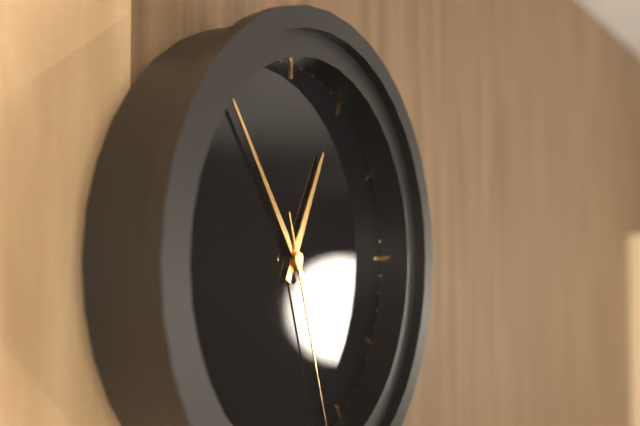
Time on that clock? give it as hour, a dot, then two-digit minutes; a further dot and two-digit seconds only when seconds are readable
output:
12.54
